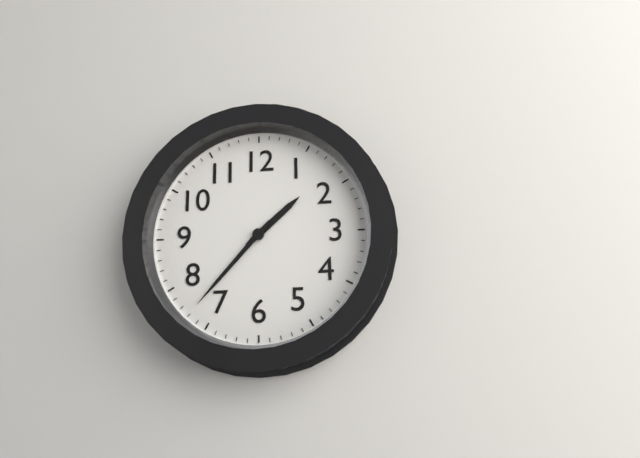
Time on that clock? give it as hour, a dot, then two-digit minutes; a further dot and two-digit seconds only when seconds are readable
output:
1.37
